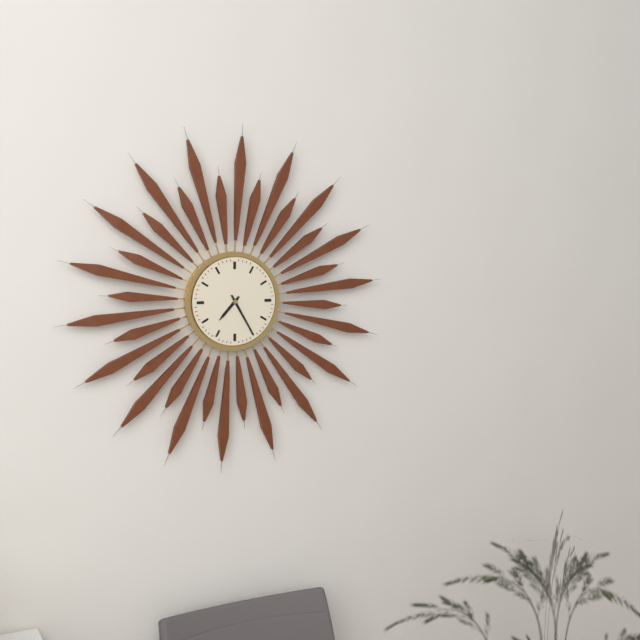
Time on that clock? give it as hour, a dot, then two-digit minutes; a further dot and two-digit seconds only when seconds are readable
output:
7.25
